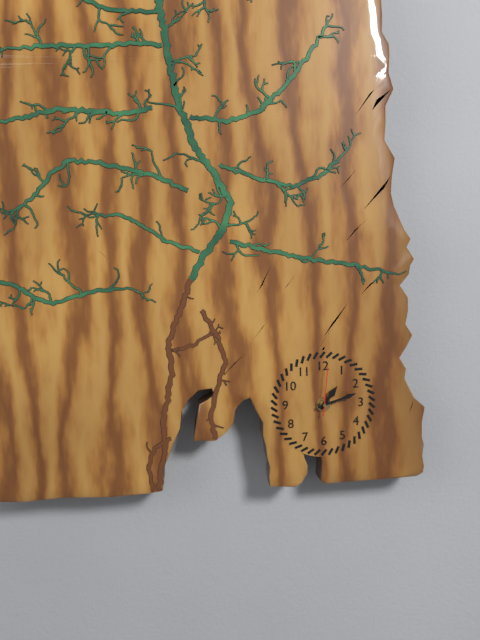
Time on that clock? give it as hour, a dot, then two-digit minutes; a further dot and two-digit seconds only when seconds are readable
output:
1.12.01
